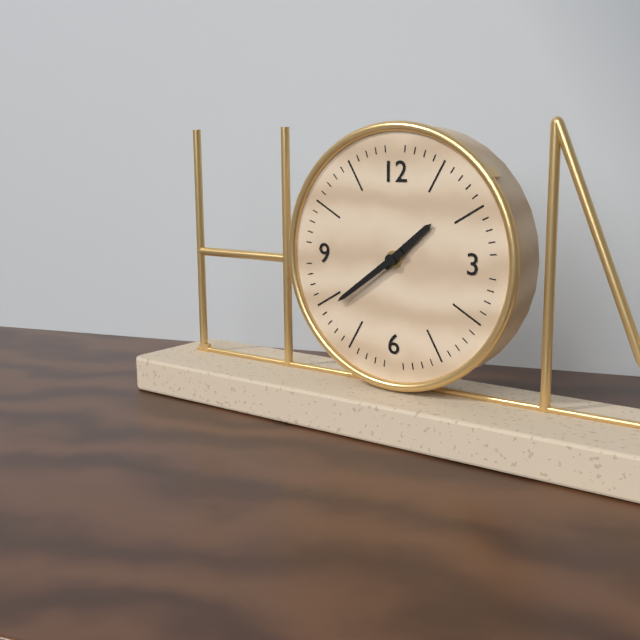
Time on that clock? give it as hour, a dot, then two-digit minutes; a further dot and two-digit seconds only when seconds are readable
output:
1.39
